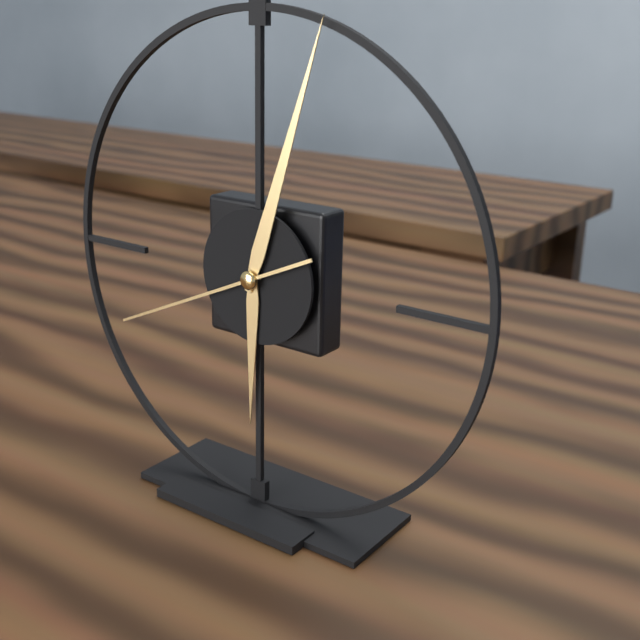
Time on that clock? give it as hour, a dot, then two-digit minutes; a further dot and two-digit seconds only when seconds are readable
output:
6.03.41
